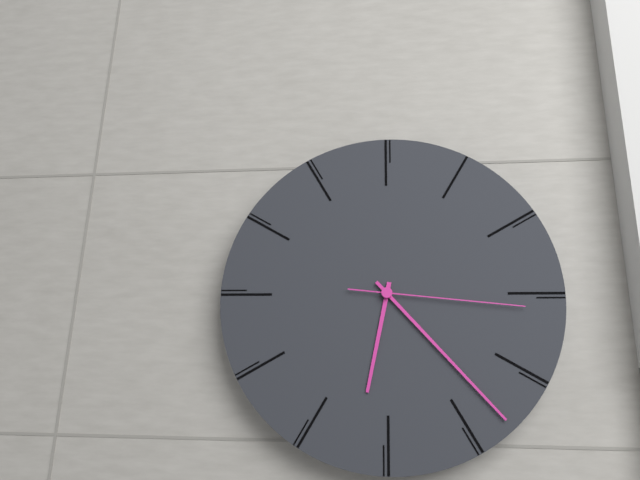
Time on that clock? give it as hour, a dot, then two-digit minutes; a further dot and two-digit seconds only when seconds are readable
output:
6.23.16
